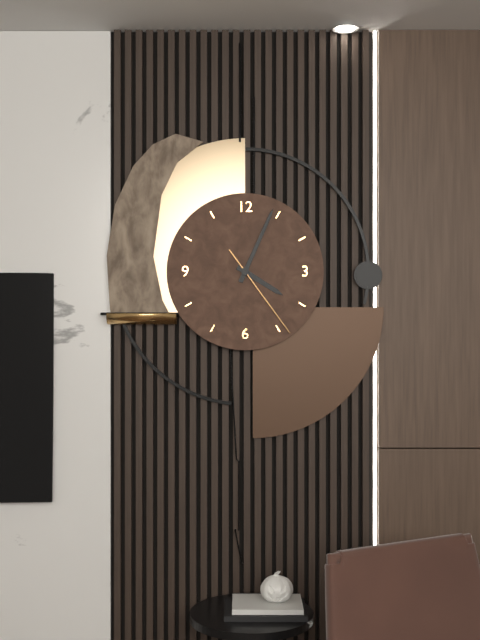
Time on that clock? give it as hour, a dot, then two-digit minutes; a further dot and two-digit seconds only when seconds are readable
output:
4.04.24
